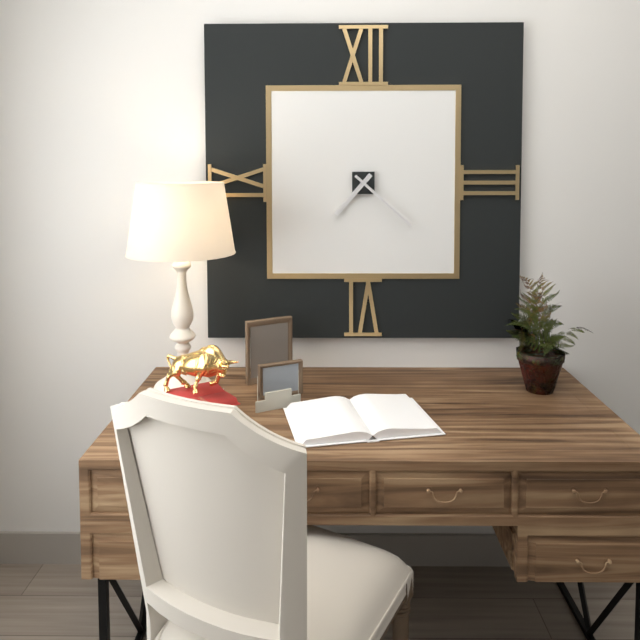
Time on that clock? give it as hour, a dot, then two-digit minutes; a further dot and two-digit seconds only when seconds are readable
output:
7.22
